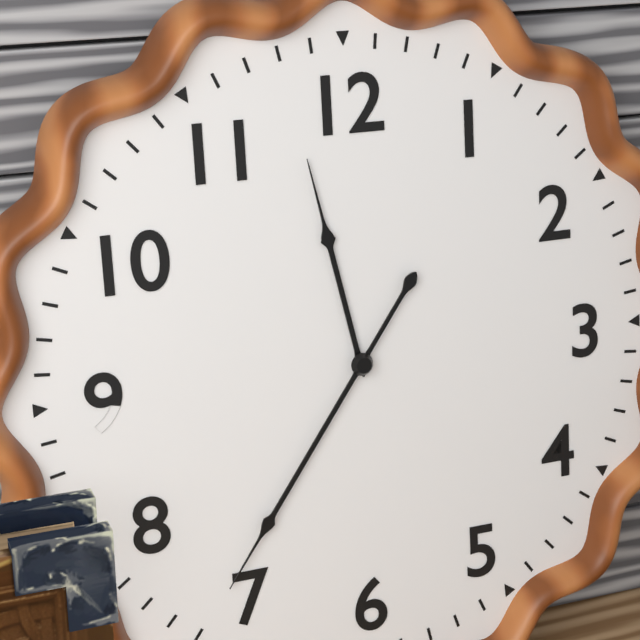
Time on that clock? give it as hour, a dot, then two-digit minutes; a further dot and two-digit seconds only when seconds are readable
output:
11.36
